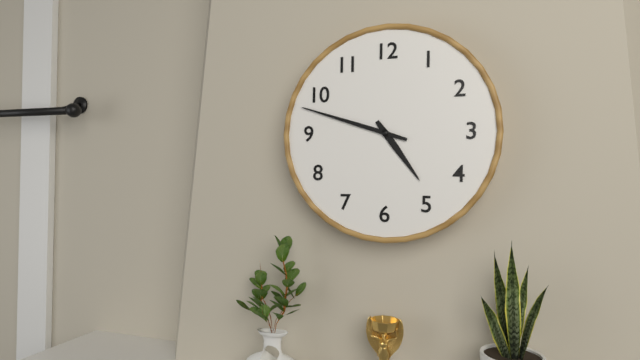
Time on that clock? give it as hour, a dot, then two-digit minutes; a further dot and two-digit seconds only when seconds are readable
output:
4.48
